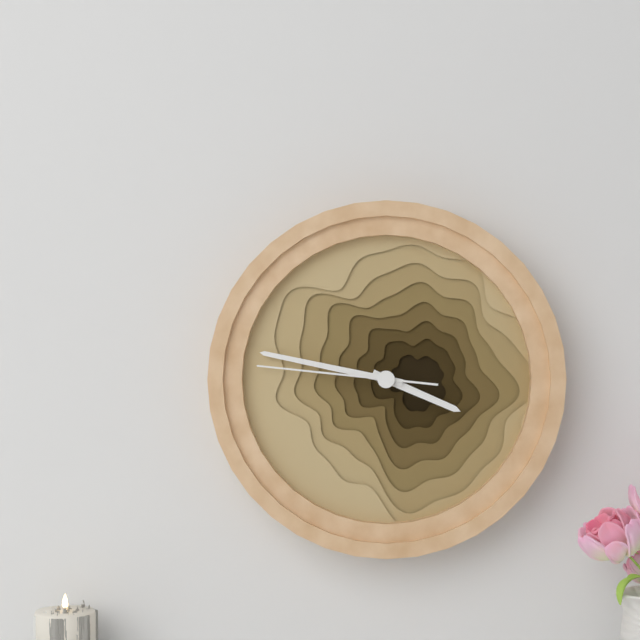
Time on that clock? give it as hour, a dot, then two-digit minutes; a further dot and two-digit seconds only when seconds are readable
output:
3.47.46
